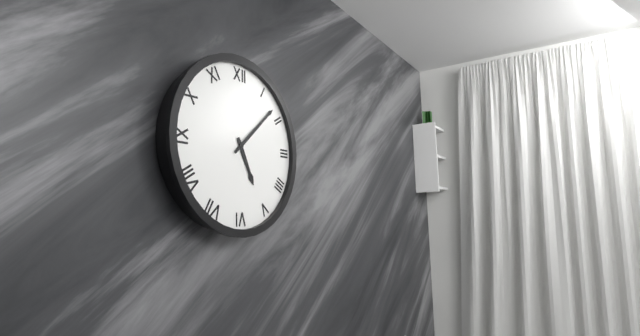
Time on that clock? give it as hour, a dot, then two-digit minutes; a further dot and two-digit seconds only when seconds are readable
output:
5.08
